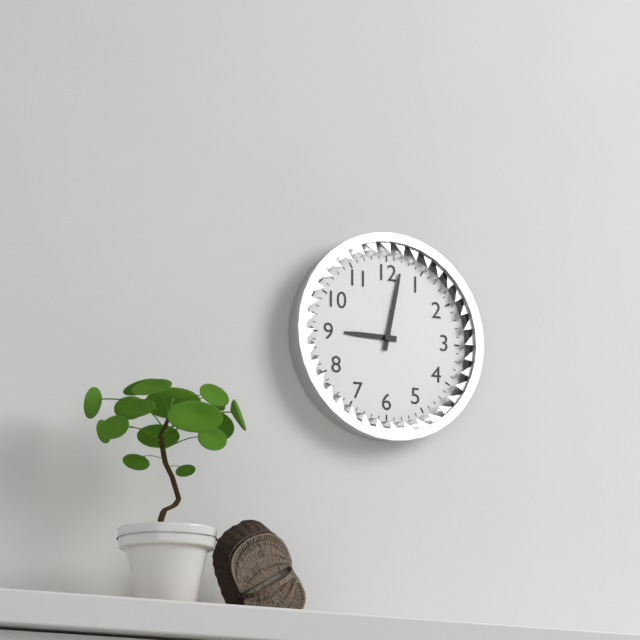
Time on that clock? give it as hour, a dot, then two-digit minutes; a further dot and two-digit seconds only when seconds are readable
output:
9.02
